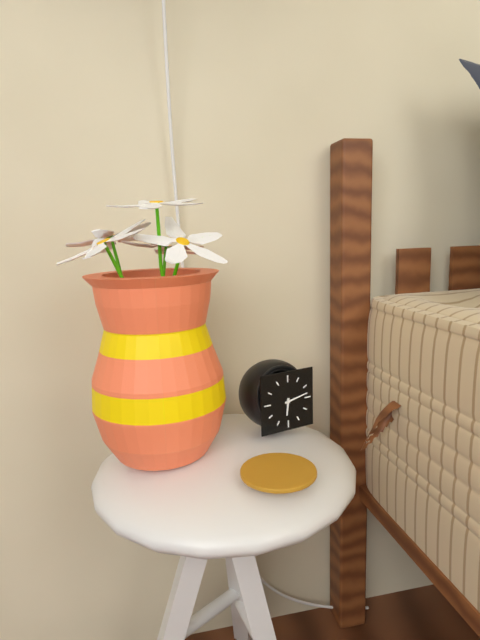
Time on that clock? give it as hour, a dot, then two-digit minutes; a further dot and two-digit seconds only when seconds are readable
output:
6.13
